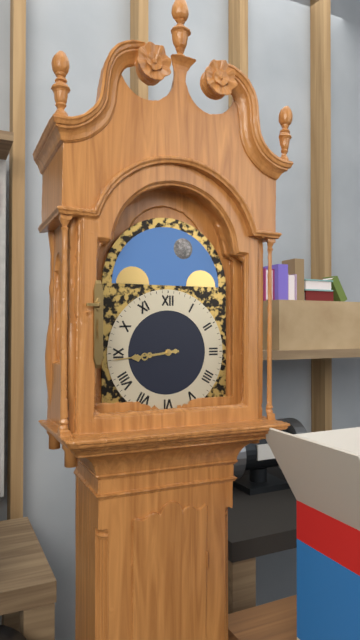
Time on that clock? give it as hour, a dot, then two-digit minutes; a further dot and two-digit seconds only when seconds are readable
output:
8.44
